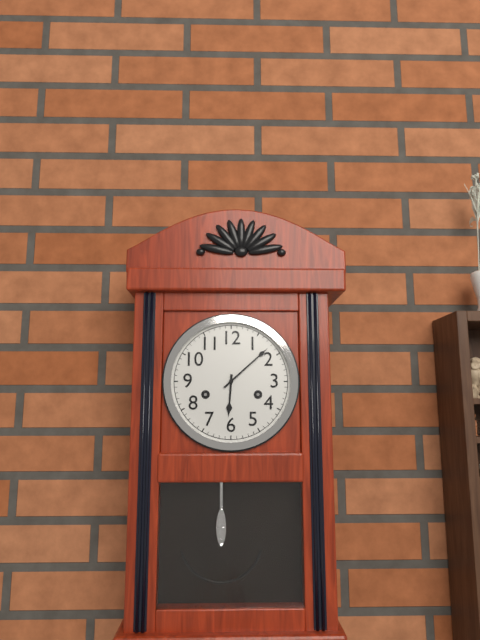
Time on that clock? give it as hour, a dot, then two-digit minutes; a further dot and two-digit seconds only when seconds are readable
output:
6.08
